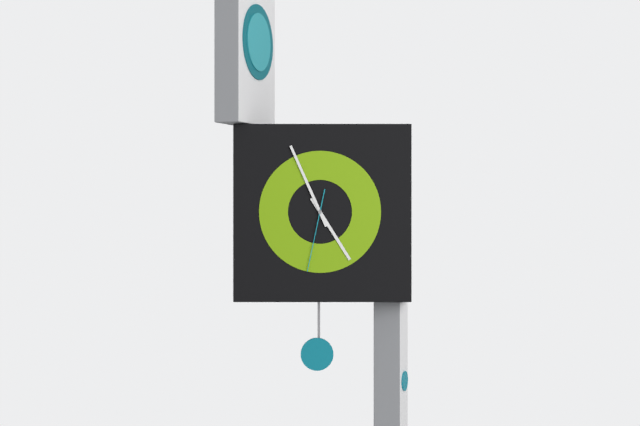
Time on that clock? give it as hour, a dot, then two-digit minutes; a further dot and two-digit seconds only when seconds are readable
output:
4.56.32
